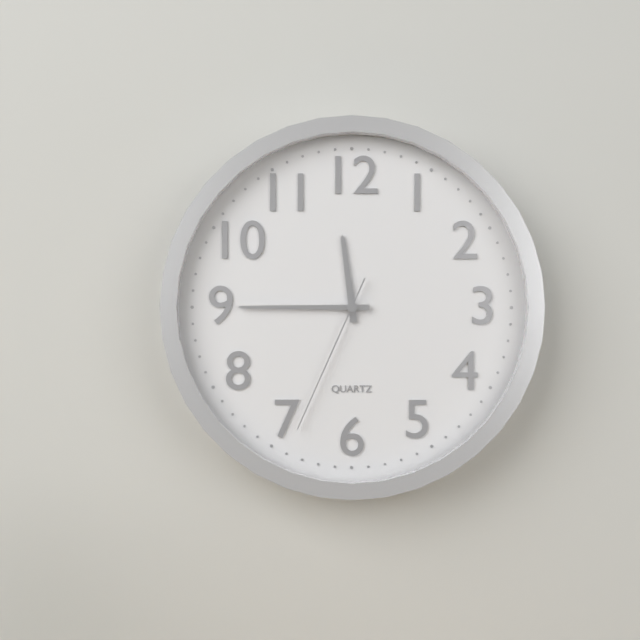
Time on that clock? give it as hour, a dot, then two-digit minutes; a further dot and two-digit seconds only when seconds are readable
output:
11.45.34
